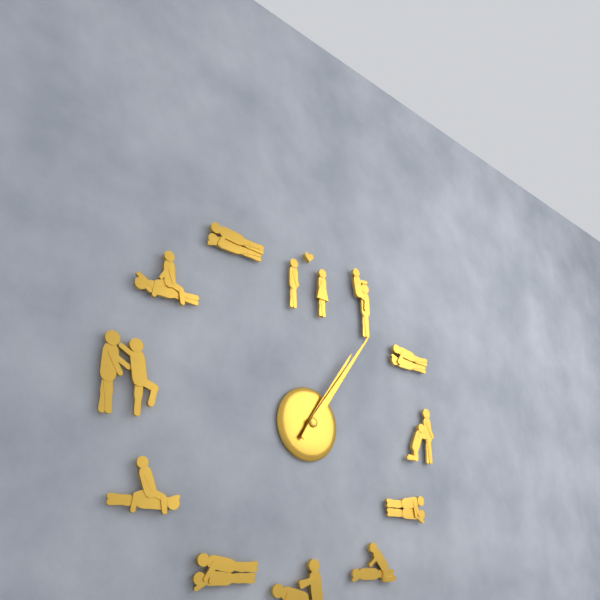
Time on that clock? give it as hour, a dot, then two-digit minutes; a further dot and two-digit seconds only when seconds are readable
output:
1.06
